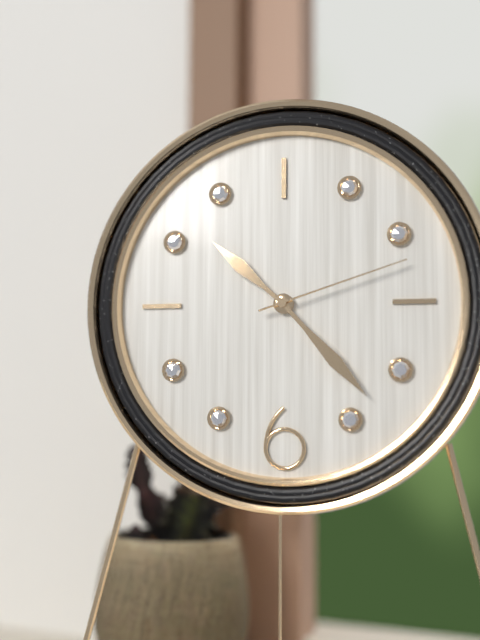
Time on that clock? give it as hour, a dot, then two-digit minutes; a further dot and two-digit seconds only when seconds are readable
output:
10.23.12
